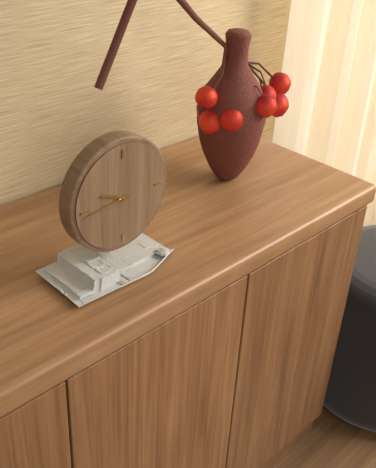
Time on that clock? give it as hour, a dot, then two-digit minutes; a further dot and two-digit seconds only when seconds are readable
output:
9.44
